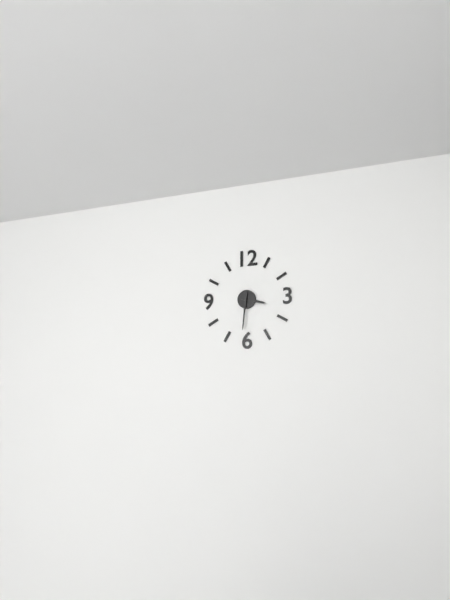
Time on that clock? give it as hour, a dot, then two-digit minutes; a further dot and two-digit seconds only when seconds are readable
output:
3.31
